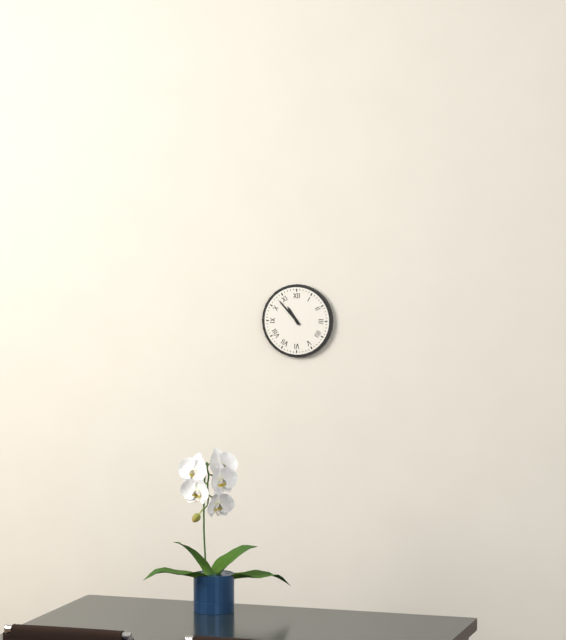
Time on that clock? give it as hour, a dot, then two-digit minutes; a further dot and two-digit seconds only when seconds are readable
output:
10.53
